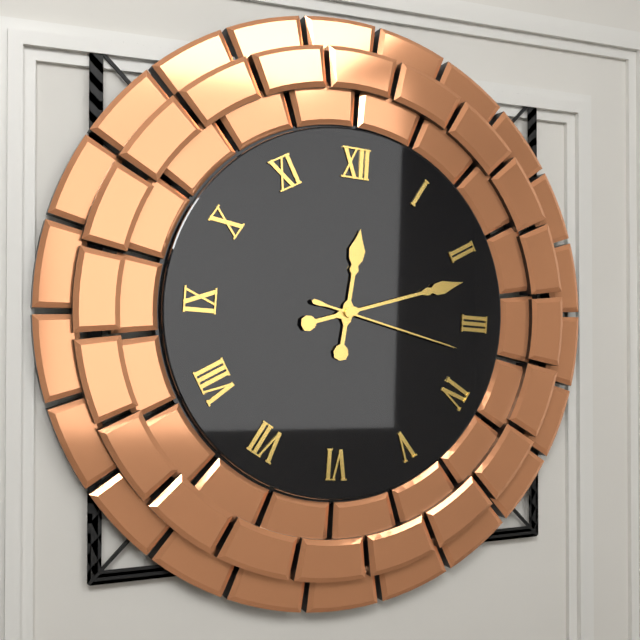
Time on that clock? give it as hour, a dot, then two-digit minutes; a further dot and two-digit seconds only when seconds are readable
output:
12.12.17
